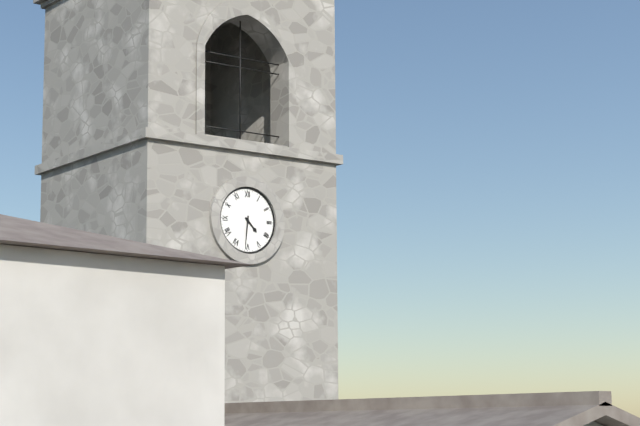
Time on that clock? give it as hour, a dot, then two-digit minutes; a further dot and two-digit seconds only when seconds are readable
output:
4.31
